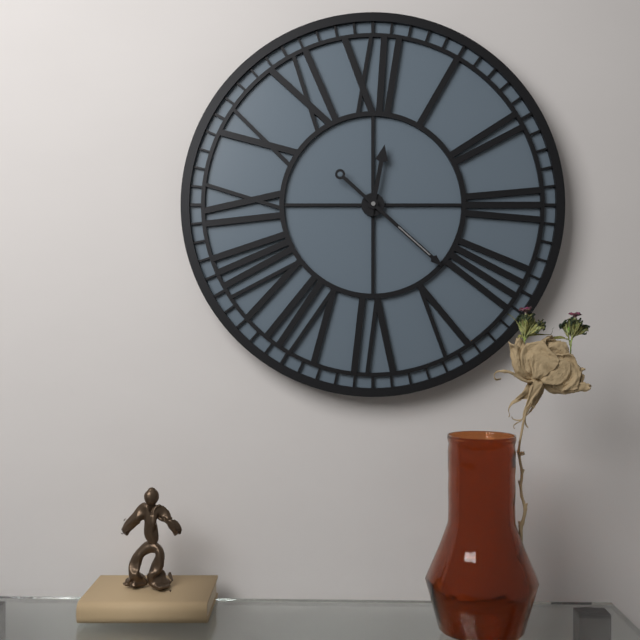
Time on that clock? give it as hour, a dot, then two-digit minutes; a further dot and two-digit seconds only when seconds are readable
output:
12.22
